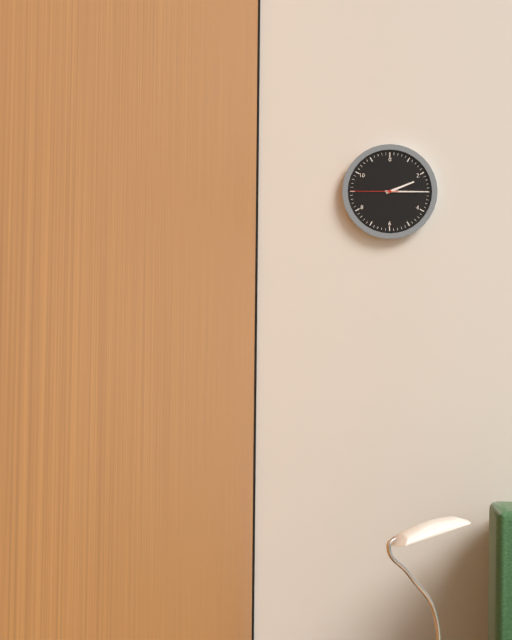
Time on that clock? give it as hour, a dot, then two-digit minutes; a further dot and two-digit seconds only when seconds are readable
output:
2.15
